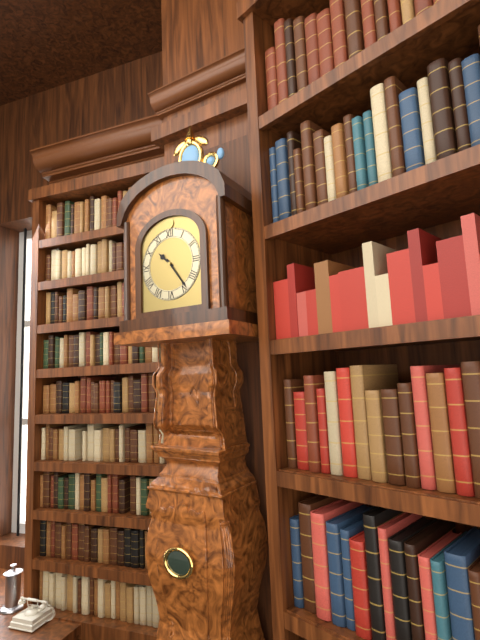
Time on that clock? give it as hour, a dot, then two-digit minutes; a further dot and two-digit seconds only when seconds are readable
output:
10.24
